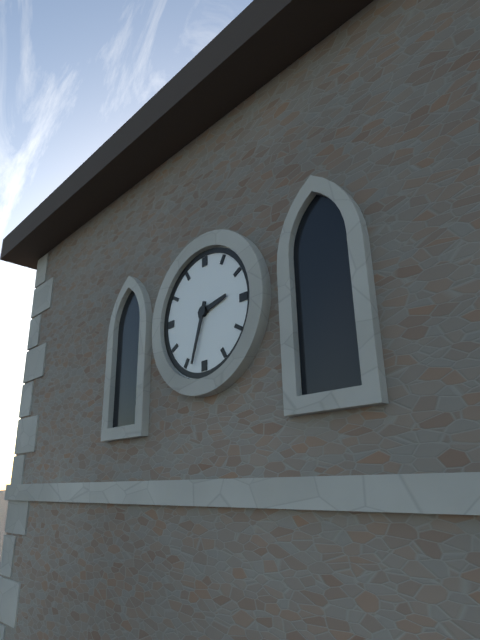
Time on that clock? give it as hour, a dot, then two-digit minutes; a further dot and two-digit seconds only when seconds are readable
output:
2.33
